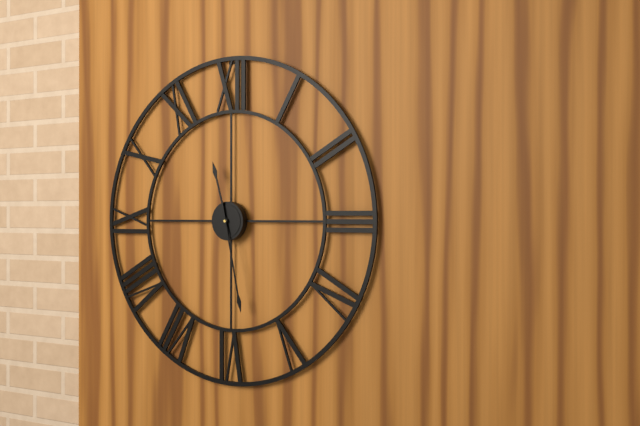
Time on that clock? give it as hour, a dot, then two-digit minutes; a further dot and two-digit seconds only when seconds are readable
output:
11.28
